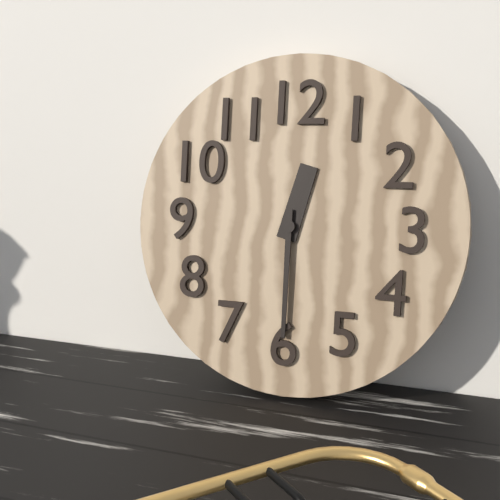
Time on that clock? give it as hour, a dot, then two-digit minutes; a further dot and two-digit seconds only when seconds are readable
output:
12.30
